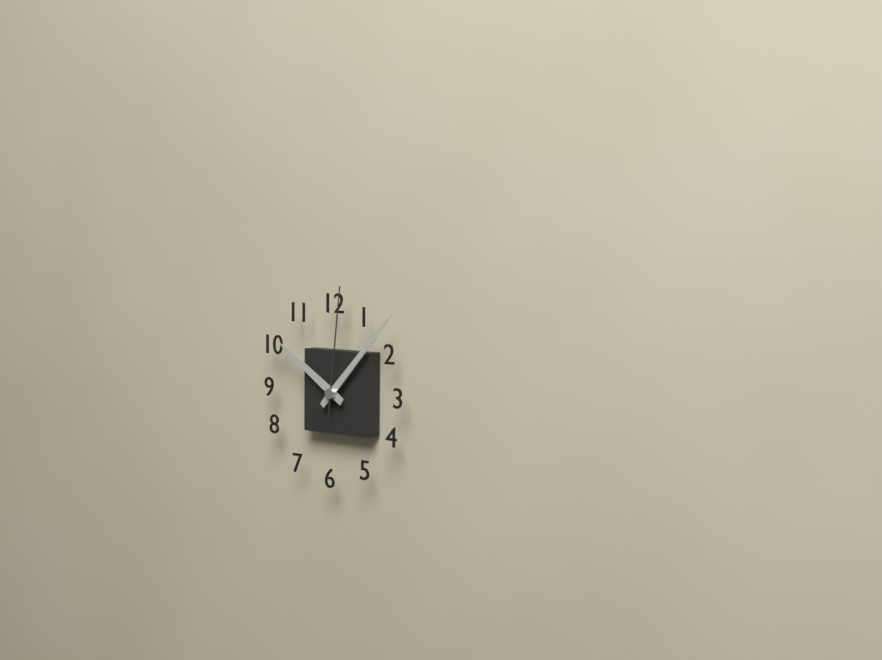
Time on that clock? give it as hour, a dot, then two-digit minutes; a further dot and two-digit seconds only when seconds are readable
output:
10.07.01
